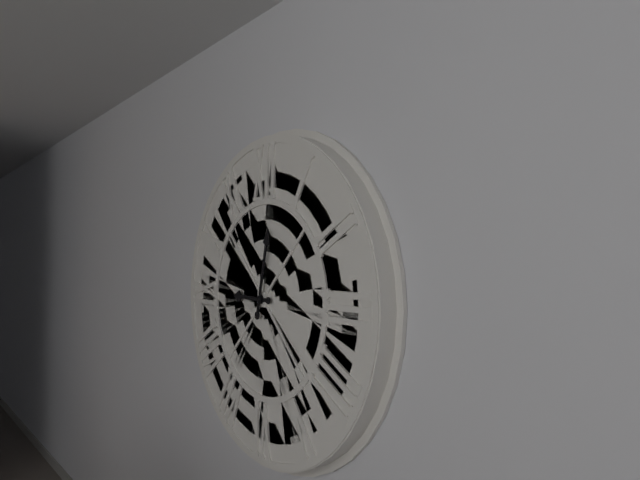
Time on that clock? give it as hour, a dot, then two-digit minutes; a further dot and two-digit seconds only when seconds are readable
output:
9.02
